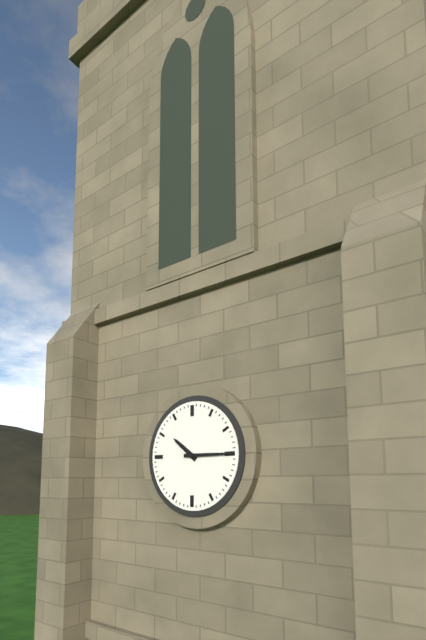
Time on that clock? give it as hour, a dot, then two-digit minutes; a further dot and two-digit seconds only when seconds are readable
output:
10.15
